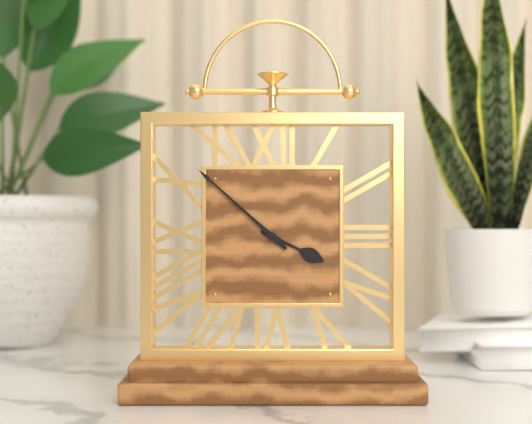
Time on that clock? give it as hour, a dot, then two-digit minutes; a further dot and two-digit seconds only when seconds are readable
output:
3.52
